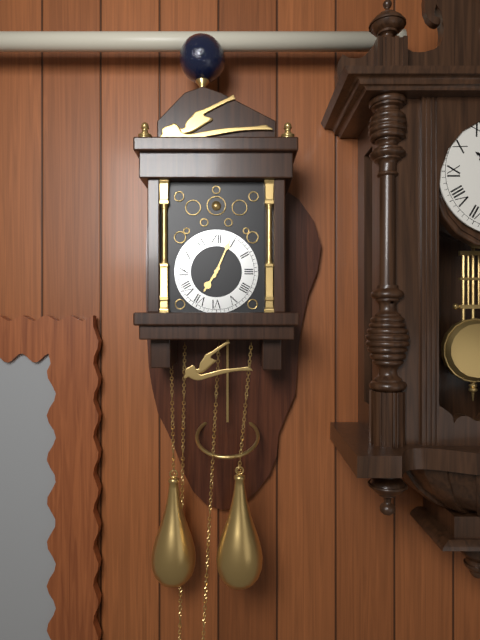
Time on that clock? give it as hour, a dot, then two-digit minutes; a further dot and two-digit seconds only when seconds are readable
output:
7.04
